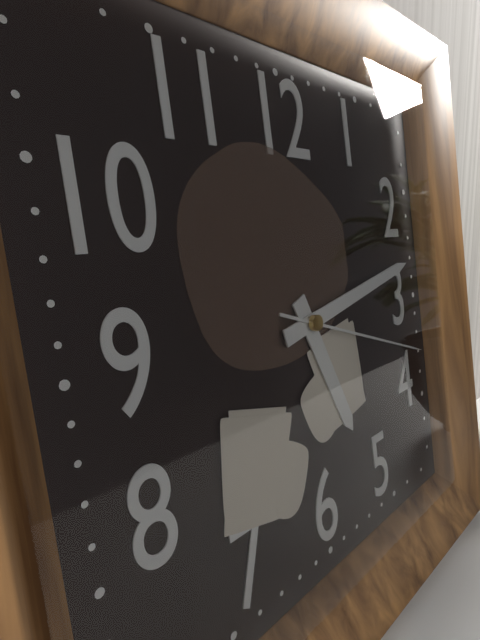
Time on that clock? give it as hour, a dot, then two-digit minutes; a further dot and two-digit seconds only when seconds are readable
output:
5.13.18
